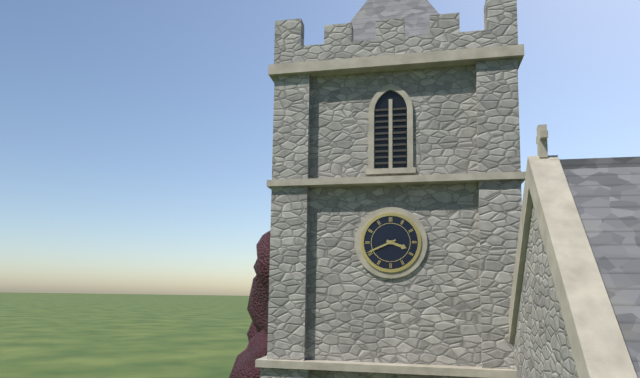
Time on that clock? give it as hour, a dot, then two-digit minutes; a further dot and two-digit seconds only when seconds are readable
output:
3.41
